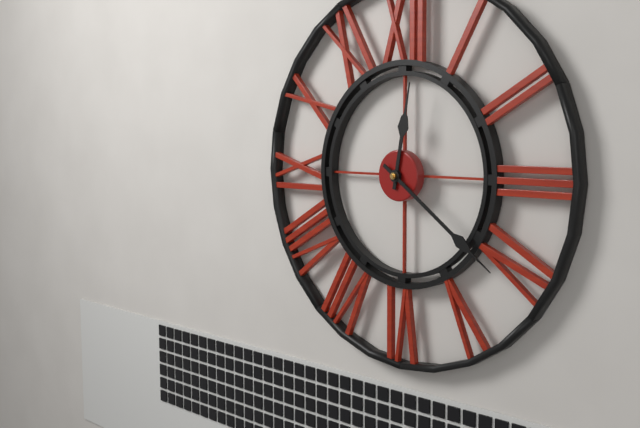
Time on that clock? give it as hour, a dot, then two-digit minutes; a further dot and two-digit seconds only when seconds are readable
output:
12.21
